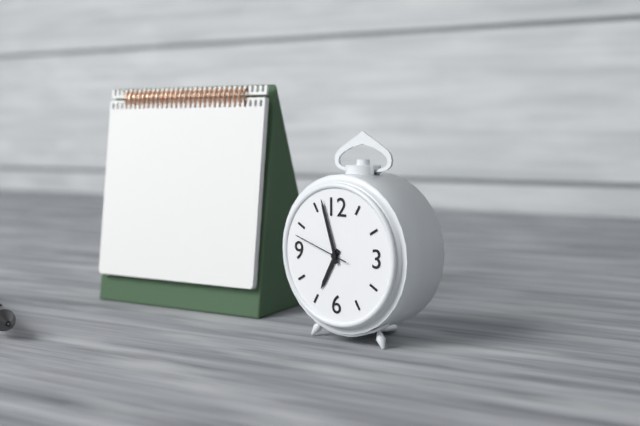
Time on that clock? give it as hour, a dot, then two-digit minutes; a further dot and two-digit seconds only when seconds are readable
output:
6.57.48
